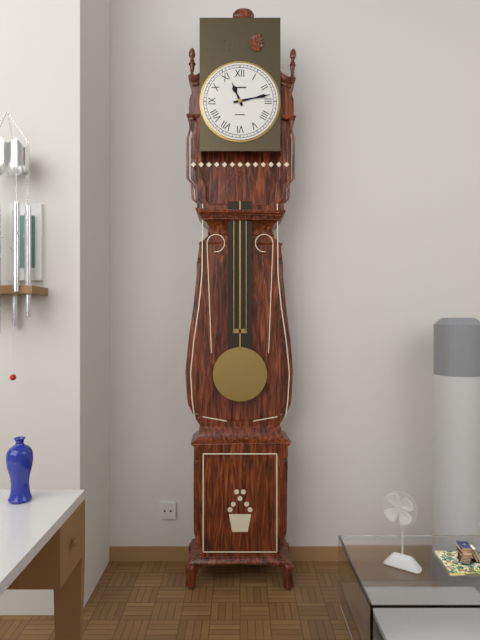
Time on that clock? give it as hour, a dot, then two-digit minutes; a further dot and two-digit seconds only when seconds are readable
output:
11.13
